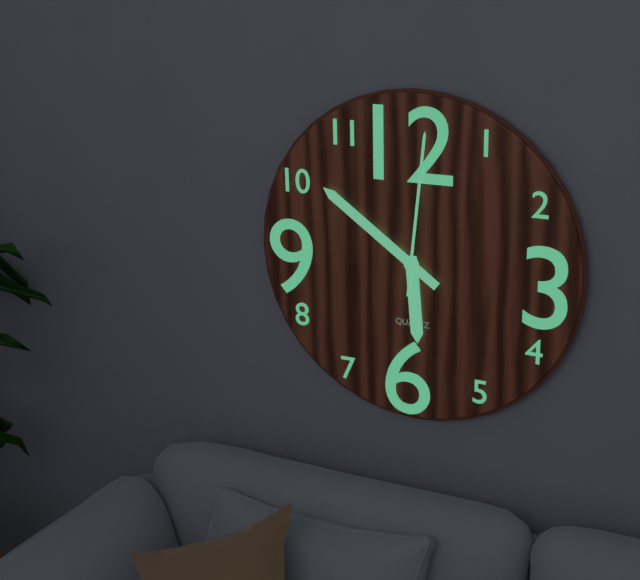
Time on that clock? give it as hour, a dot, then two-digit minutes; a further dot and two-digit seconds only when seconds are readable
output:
5.51.01
